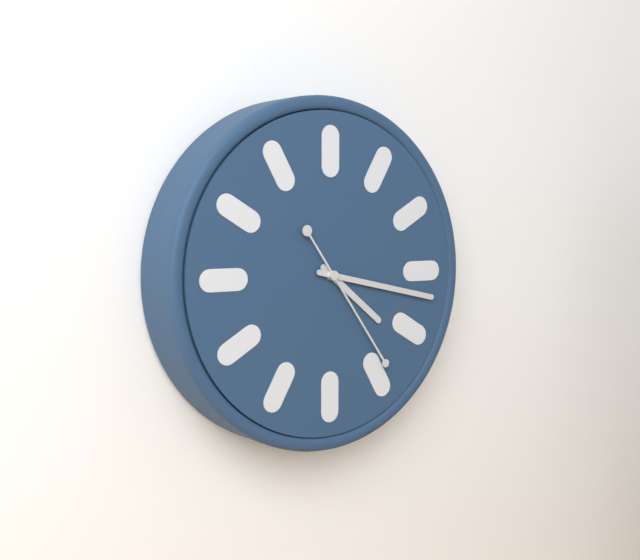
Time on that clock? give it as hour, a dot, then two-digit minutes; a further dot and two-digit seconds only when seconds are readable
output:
4.17.24
